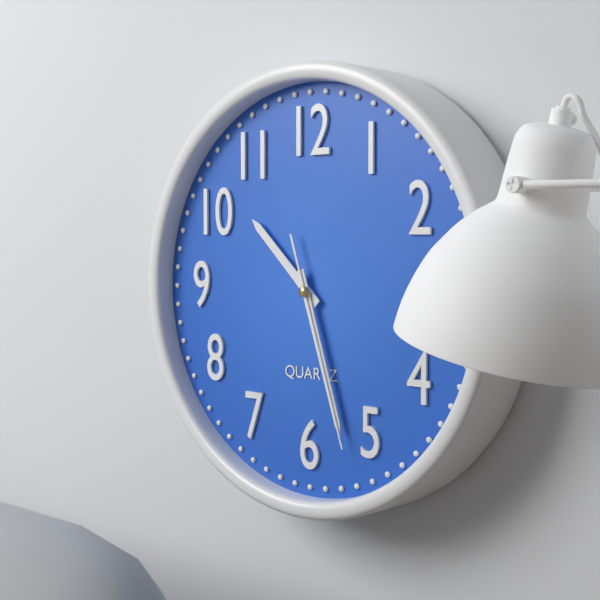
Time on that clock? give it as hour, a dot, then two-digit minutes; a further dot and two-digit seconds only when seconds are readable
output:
10.27.27
